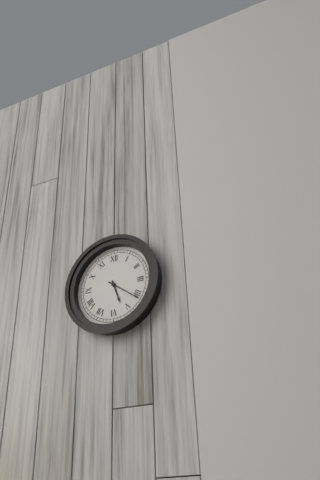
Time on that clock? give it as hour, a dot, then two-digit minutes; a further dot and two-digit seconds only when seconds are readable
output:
5.21
